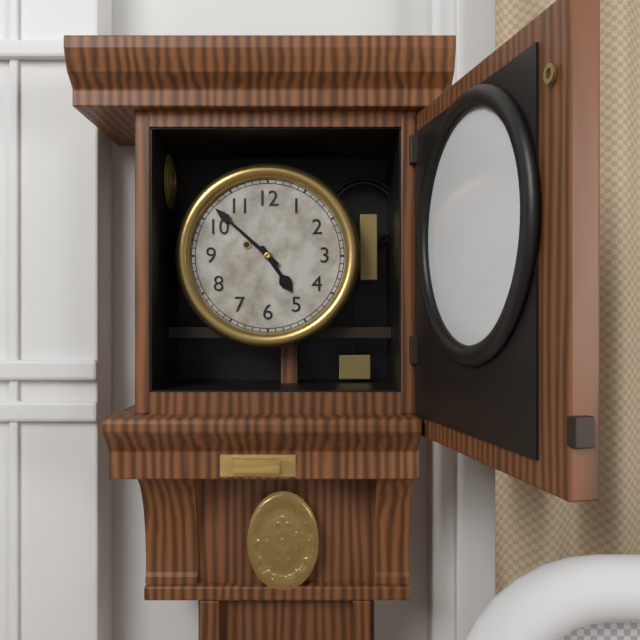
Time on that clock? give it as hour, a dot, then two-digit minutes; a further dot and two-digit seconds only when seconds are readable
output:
4.52
